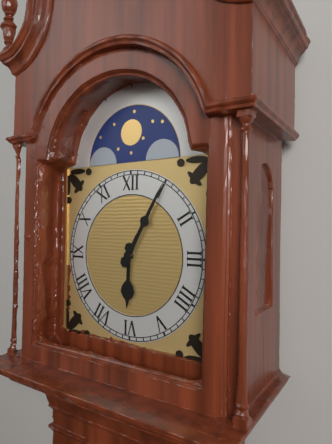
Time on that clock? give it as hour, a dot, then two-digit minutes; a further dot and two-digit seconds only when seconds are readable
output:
6.05
